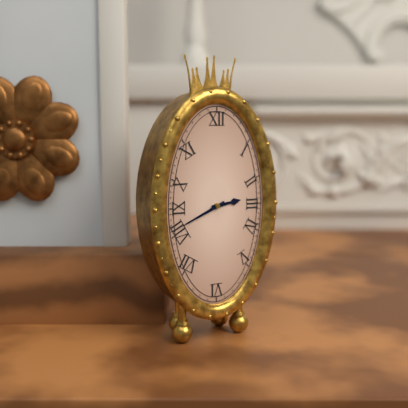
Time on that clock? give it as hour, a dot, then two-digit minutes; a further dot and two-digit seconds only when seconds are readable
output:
2.41
